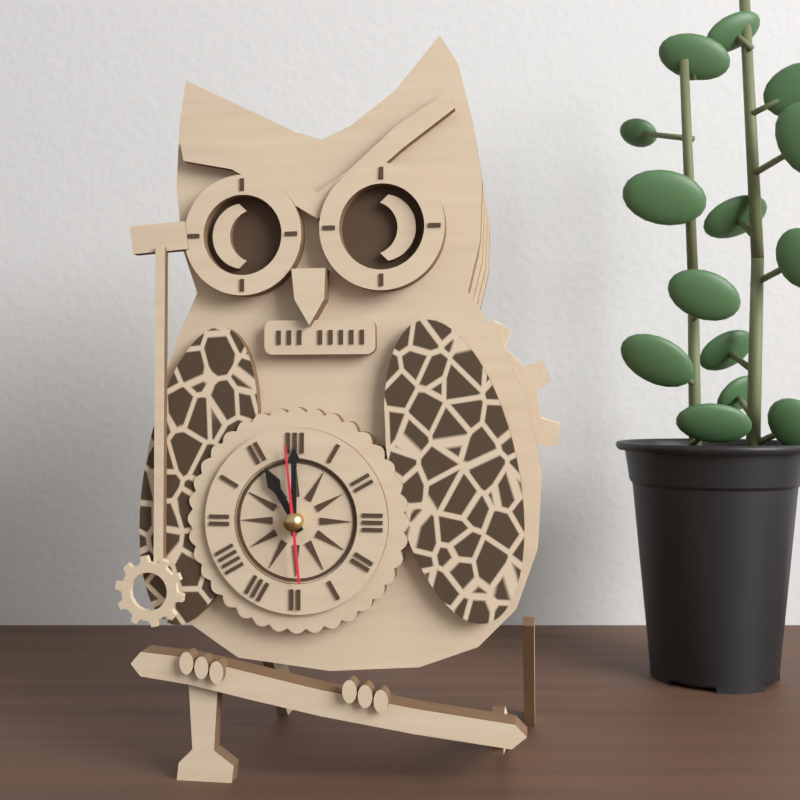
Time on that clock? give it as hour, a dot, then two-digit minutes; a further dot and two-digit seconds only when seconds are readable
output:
11.00.59
